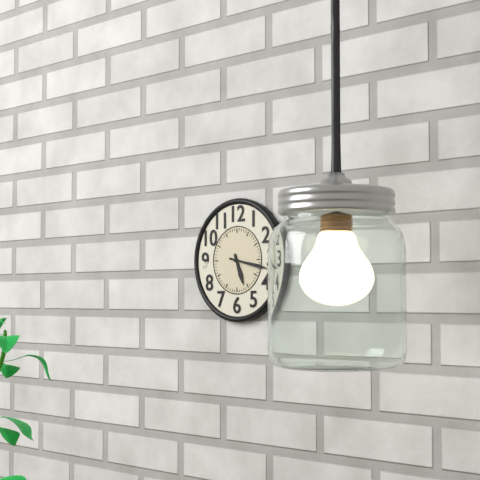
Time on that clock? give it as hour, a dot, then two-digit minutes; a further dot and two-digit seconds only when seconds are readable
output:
5.17
